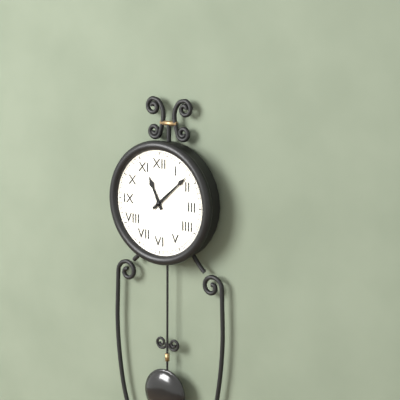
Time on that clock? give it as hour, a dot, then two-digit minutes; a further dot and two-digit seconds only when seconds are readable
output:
11.08
